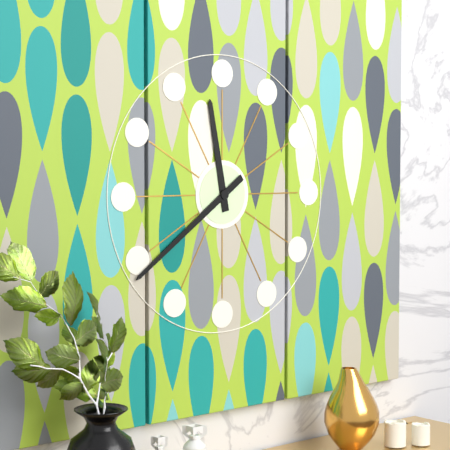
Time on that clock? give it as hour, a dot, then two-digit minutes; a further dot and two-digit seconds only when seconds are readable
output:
11.39
